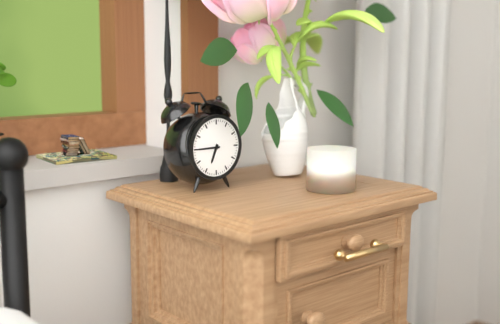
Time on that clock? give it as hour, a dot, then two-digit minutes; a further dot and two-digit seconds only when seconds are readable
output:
6.45
